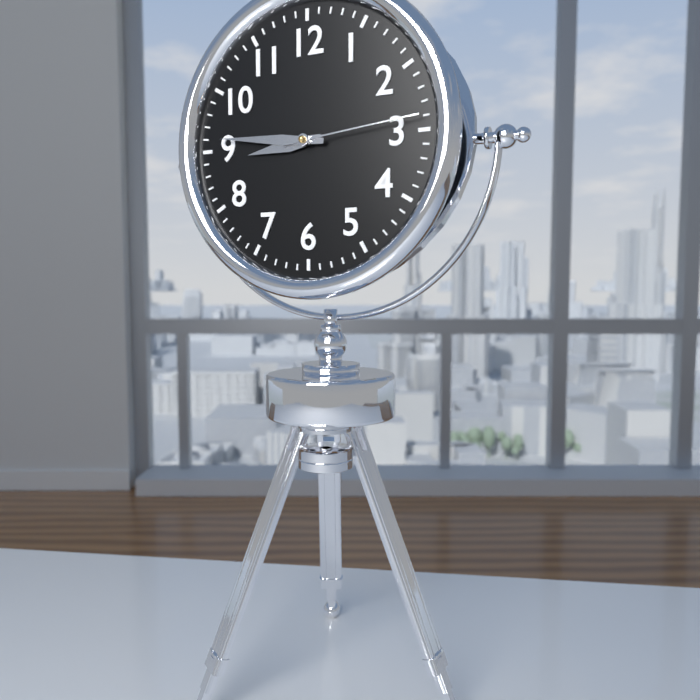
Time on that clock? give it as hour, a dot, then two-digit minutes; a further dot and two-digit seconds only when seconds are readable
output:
8.46.14
